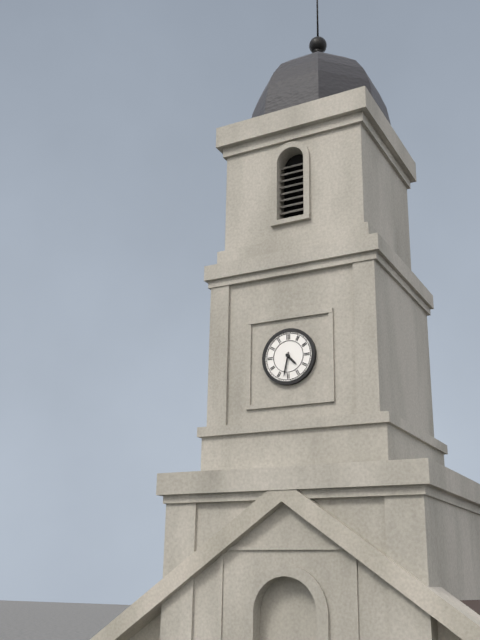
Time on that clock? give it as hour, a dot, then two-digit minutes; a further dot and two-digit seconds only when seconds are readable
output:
4.32
